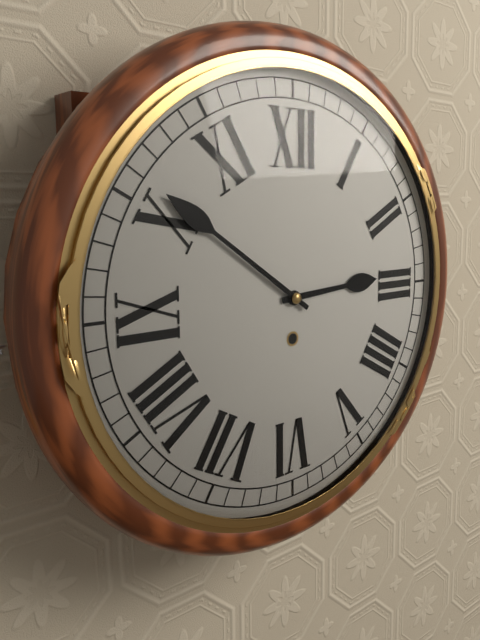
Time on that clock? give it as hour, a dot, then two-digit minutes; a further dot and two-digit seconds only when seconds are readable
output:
2.51
